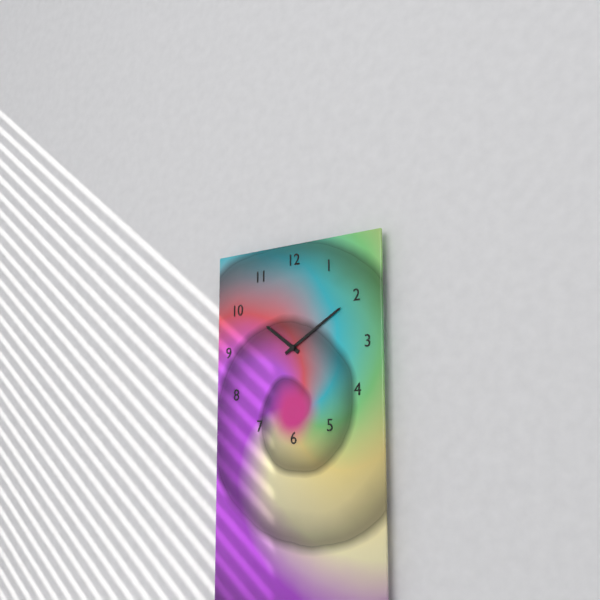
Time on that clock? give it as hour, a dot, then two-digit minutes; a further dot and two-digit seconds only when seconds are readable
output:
10.10
